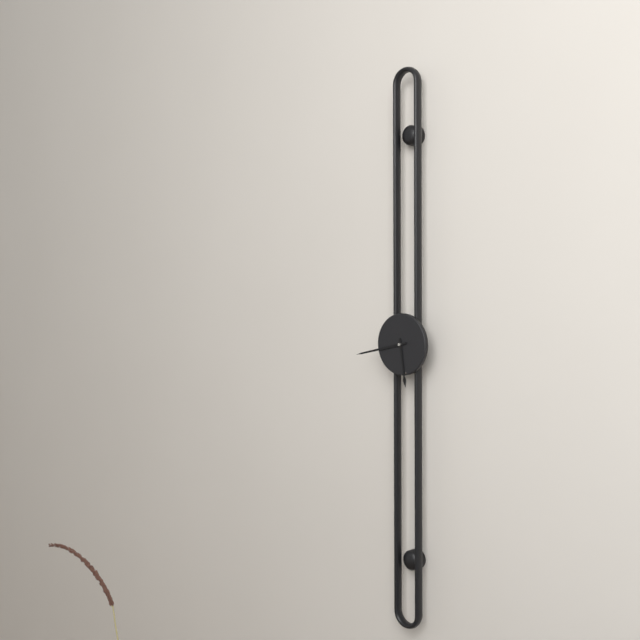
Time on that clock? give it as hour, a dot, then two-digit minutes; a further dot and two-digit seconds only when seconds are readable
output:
5.43
